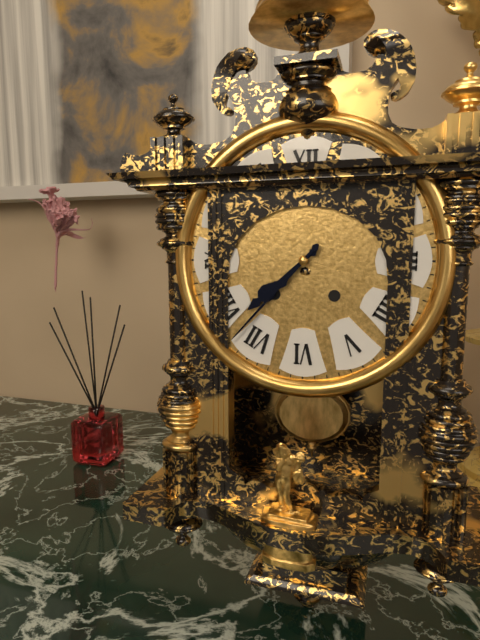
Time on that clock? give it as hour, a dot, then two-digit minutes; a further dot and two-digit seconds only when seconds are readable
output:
7.37
